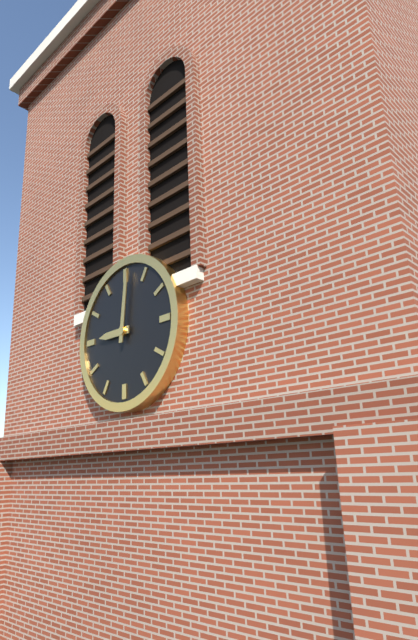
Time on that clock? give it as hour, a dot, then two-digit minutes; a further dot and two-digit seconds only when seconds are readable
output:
9.01
